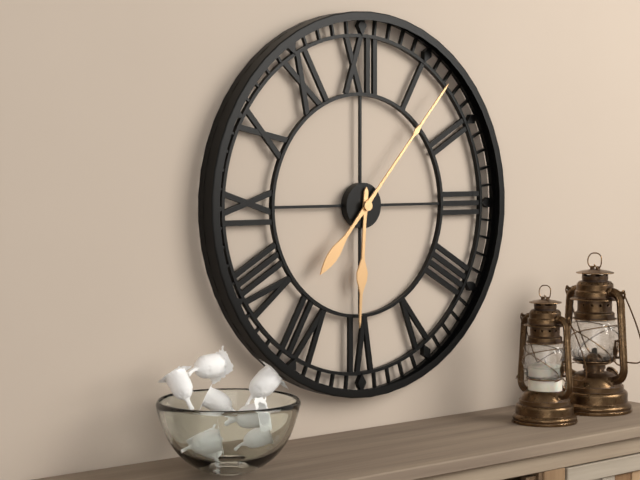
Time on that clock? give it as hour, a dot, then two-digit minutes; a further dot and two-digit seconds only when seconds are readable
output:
6.07
